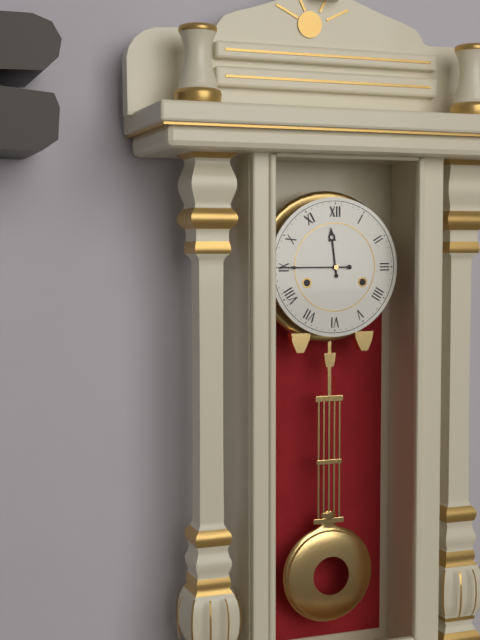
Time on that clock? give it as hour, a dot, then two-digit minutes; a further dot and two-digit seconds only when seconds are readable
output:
11.45
